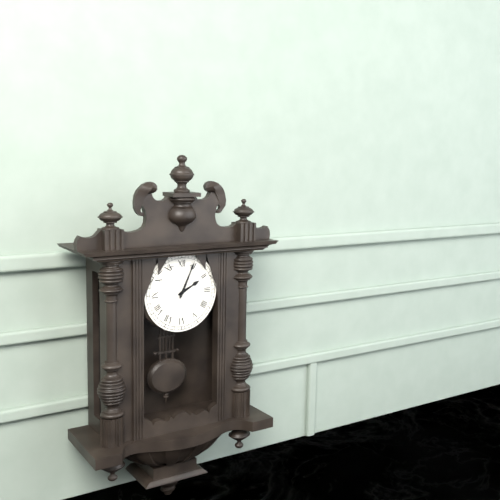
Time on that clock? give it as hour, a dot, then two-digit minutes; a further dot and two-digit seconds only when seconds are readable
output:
2.04
